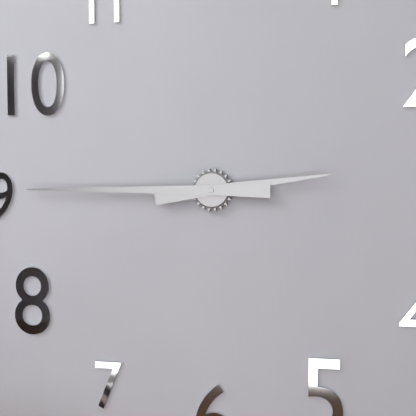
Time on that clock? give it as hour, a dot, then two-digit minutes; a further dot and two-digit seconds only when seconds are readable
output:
2.45
